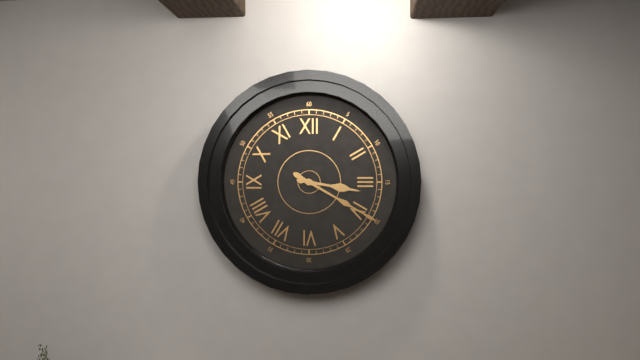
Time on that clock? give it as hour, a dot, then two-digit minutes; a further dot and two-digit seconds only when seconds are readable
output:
3.20
